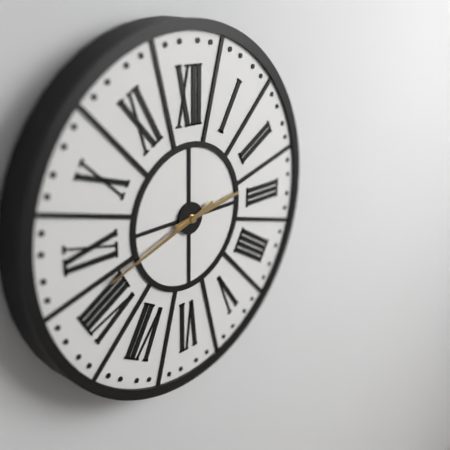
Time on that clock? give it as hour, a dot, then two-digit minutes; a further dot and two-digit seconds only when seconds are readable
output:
2.42
